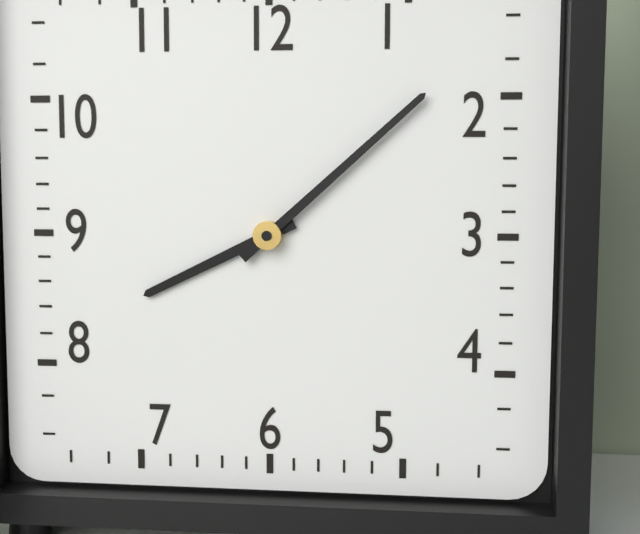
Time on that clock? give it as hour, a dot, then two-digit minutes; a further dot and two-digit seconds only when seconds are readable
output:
8.08
